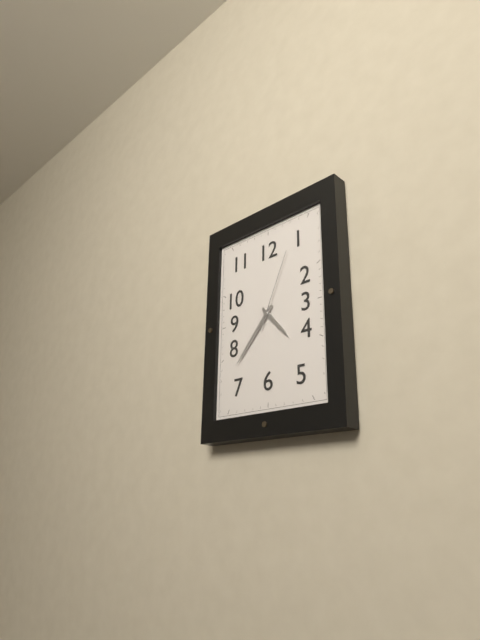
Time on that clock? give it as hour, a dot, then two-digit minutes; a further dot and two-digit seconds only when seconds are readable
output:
4.37.04
